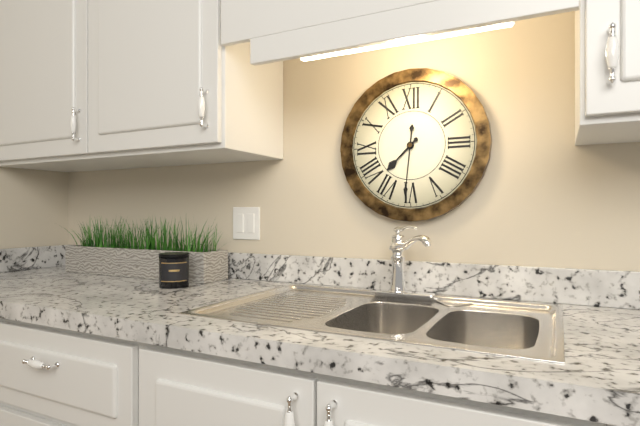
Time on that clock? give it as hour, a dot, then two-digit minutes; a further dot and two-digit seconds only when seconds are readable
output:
7.31
